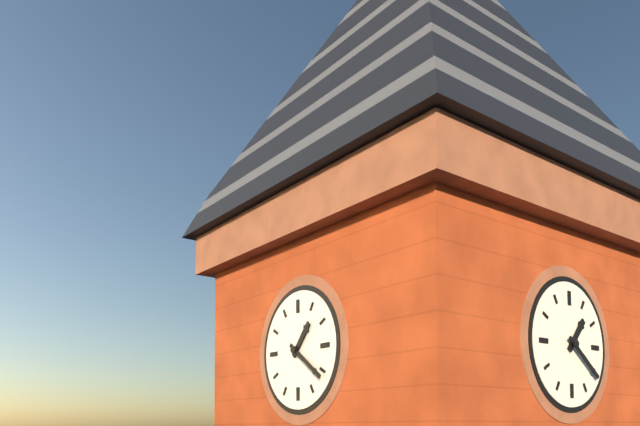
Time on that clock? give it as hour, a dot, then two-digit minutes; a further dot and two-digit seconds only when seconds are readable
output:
1.21
